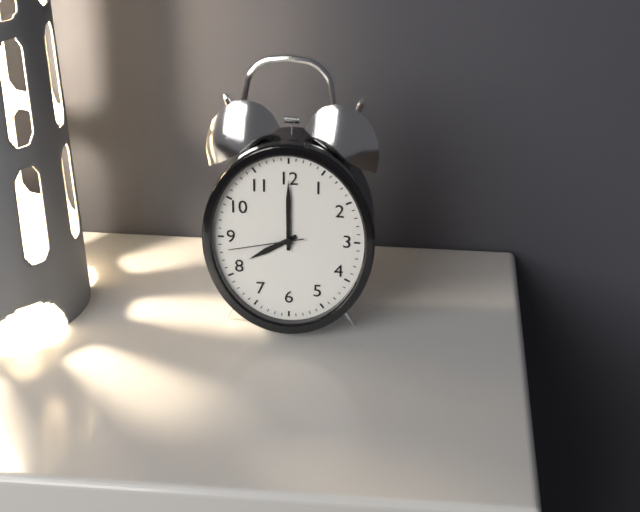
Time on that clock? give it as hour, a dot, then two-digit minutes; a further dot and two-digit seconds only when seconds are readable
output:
8.00.43
